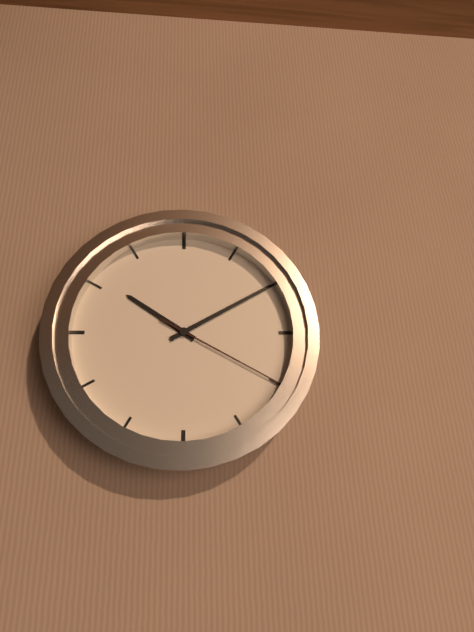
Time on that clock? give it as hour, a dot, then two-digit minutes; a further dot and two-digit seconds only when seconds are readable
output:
10.10.20
